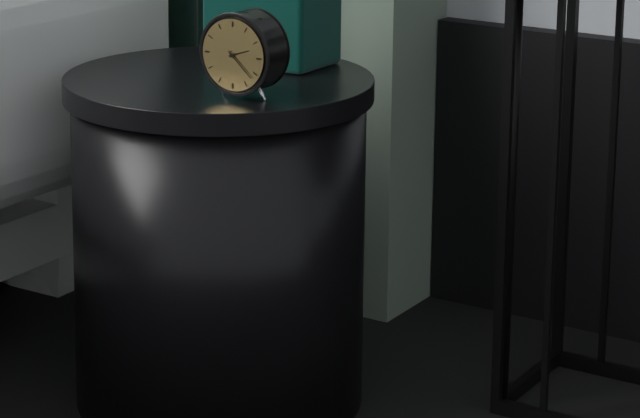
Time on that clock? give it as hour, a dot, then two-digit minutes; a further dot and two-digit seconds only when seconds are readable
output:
2.22
